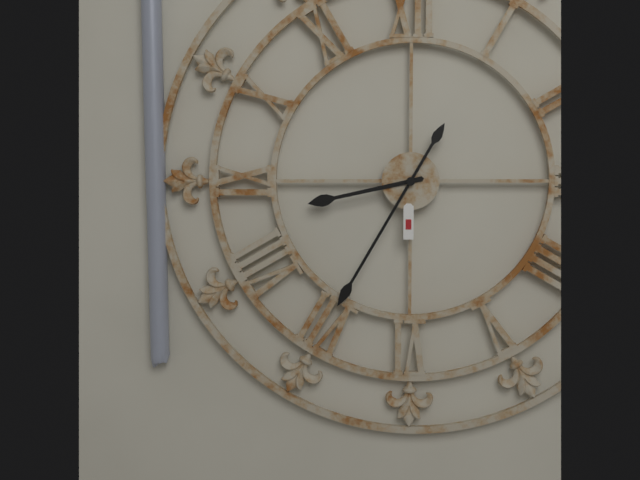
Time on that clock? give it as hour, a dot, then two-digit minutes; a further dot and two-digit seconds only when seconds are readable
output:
8.35
